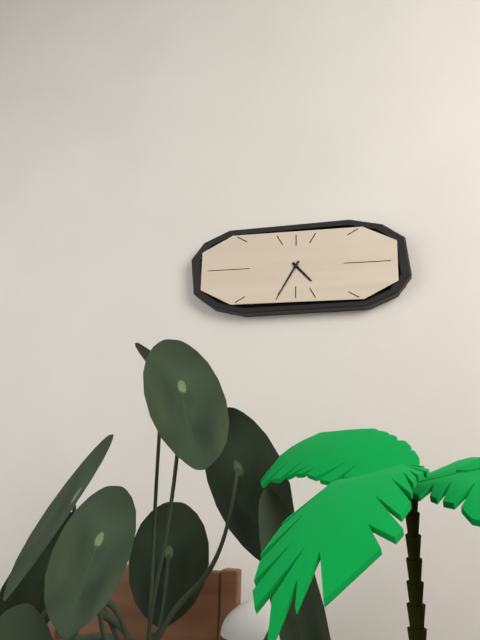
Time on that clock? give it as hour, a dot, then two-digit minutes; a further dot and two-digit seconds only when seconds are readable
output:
4.35
